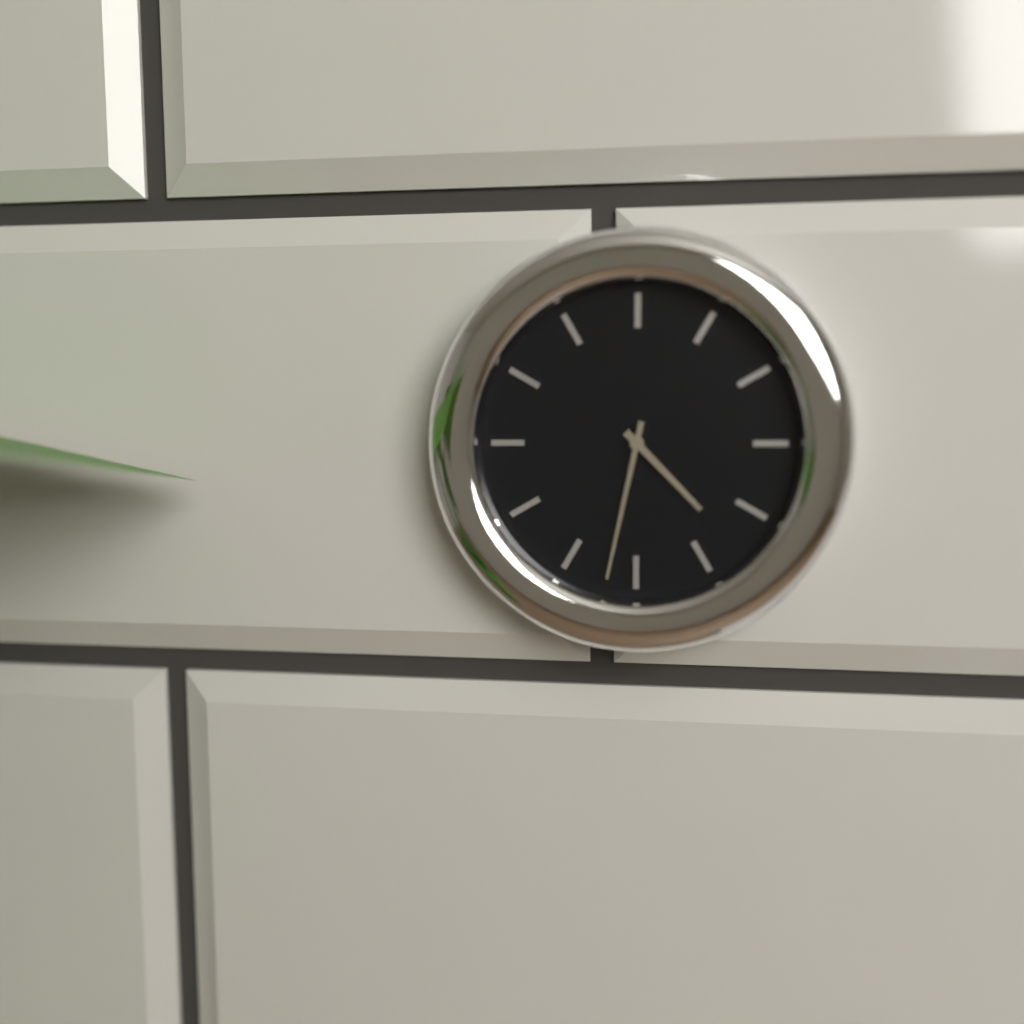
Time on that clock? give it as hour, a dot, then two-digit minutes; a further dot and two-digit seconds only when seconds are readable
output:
4.32
